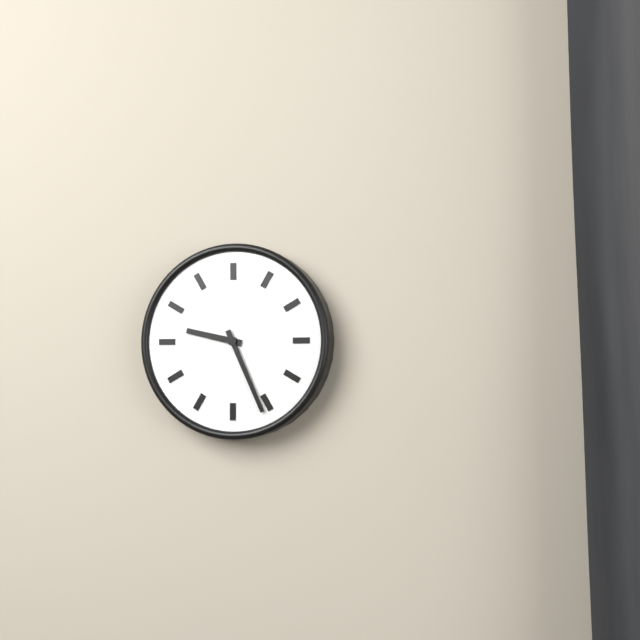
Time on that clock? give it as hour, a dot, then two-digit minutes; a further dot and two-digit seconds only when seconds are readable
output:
9.26
